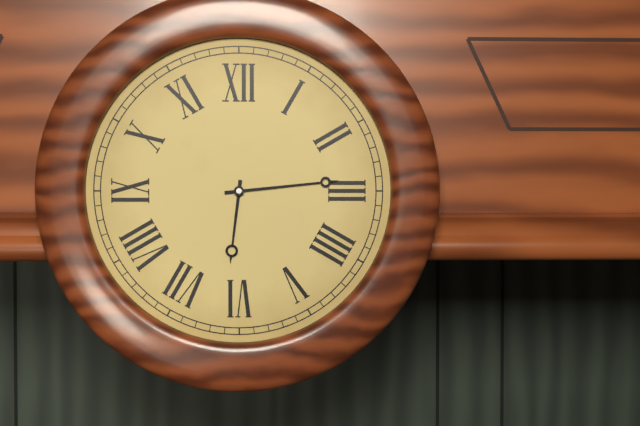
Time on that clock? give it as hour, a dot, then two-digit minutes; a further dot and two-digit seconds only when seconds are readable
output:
6.14
